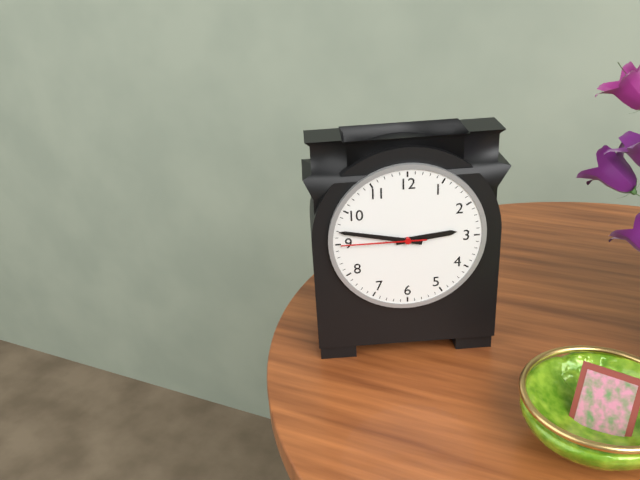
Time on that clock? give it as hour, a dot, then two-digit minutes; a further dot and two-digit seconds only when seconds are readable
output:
2.47.45
